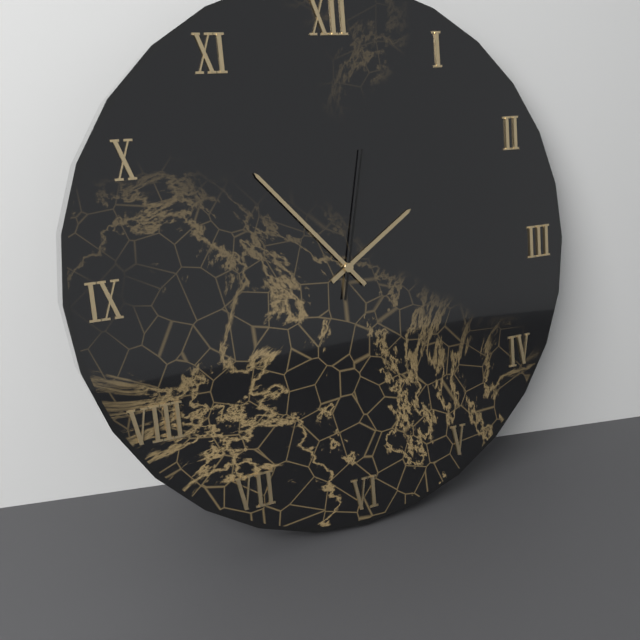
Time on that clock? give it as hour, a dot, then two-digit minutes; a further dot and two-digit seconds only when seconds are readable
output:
1.53.02
